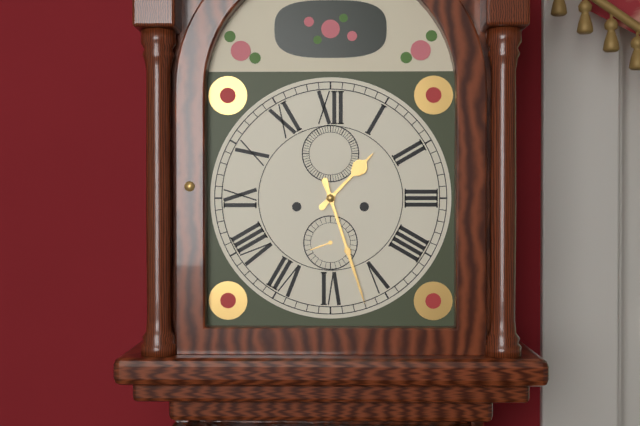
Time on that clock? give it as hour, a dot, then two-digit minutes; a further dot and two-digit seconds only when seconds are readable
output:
1.27
